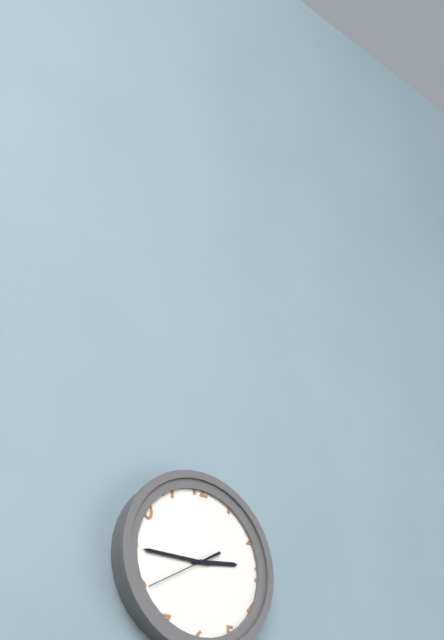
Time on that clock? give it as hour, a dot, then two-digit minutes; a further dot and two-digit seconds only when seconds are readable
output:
2.45.40
